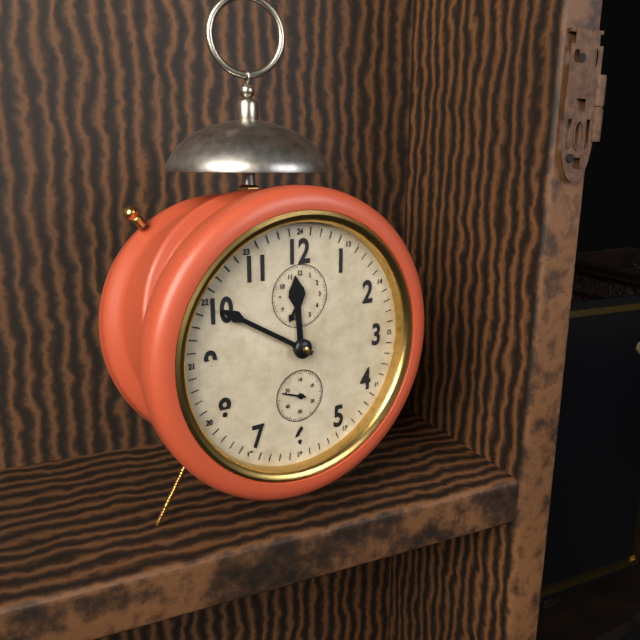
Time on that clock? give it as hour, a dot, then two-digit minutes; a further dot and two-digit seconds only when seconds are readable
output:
11.50
